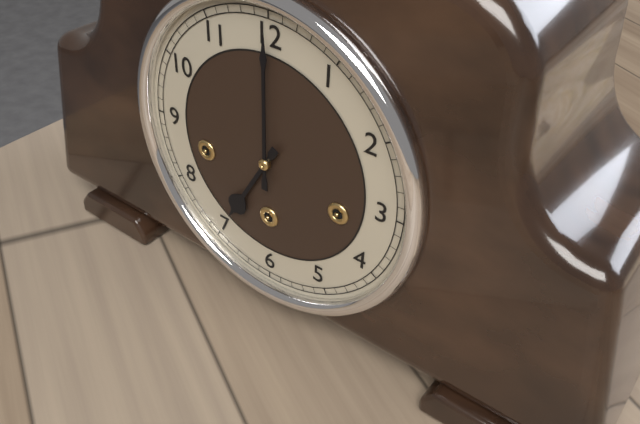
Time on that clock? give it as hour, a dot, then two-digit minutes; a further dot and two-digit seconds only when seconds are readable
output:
7.00
